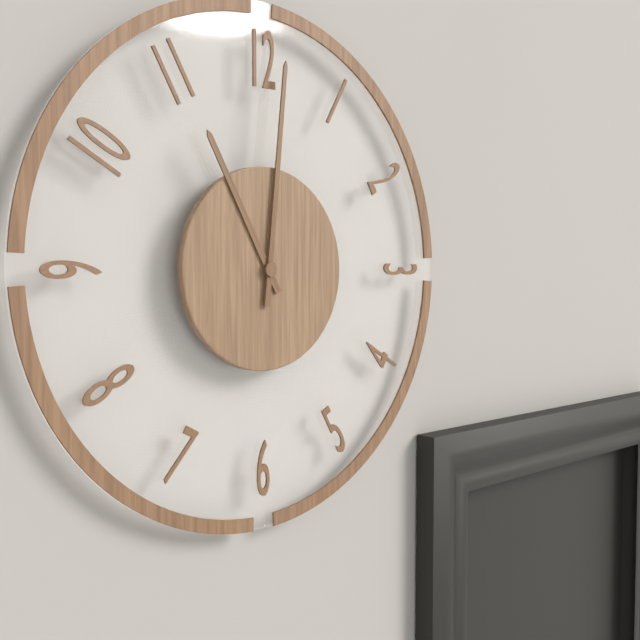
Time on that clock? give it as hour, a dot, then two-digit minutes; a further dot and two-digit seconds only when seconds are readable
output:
11.01
